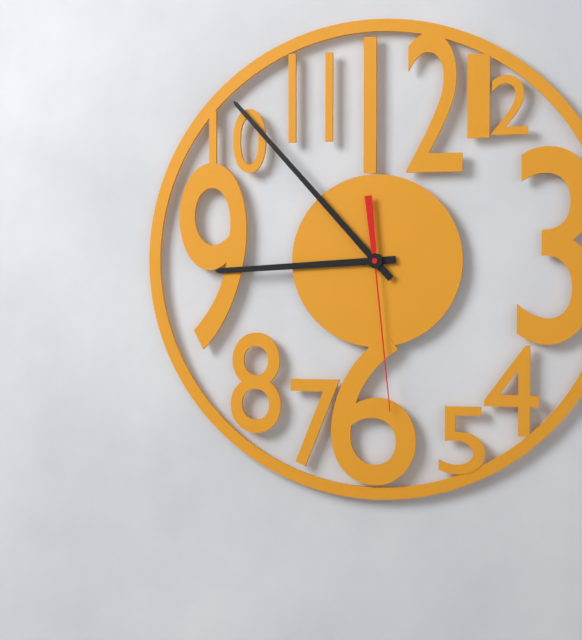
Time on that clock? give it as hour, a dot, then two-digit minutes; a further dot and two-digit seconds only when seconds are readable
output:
8.53.29
